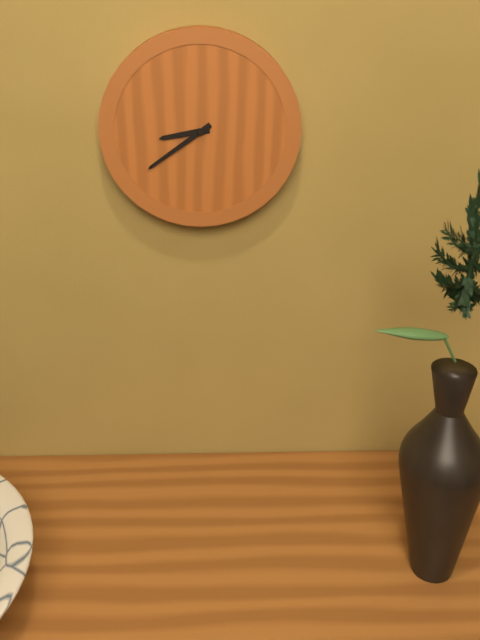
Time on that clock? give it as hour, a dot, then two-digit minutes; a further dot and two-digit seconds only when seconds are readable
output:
8.39
